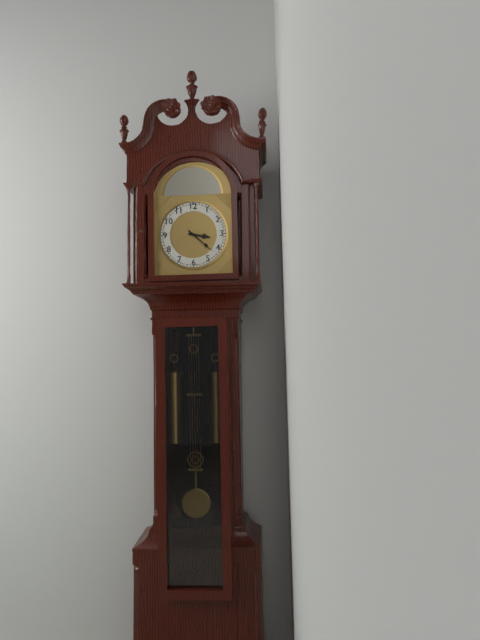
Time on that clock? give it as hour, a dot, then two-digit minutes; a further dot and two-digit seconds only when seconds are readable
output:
3.22
